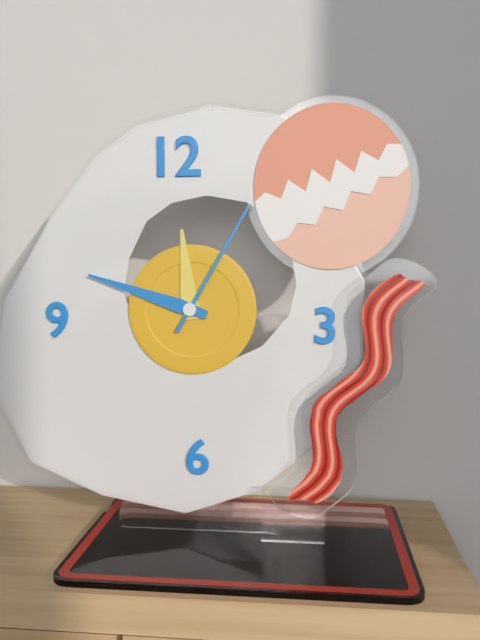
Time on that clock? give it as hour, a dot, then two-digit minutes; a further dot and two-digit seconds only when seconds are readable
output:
11.48.05
